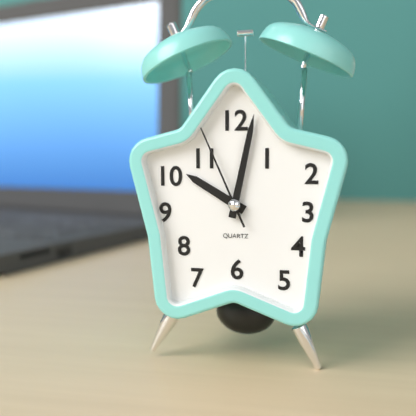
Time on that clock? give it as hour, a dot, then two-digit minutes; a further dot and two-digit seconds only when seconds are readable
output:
10.02.56
